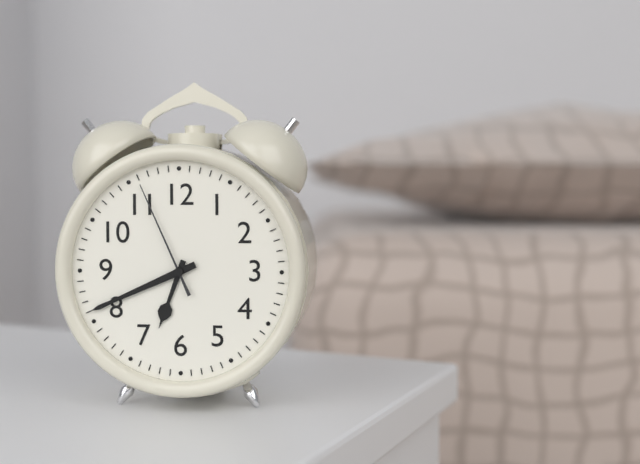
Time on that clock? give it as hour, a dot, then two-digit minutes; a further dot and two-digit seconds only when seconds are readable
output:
6.41.56
